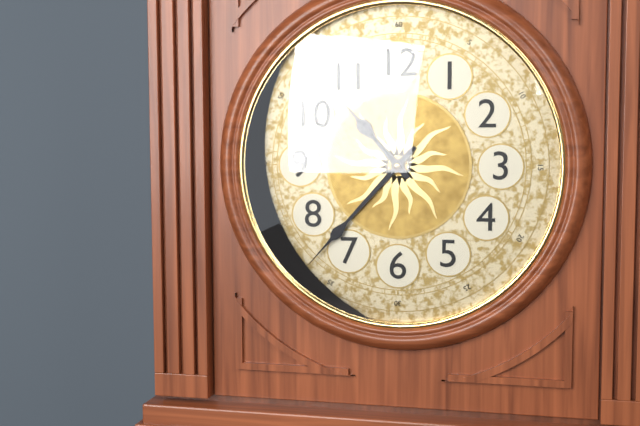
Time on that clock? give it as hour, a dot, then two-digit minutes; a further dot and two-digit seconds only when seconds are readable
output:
10.37
